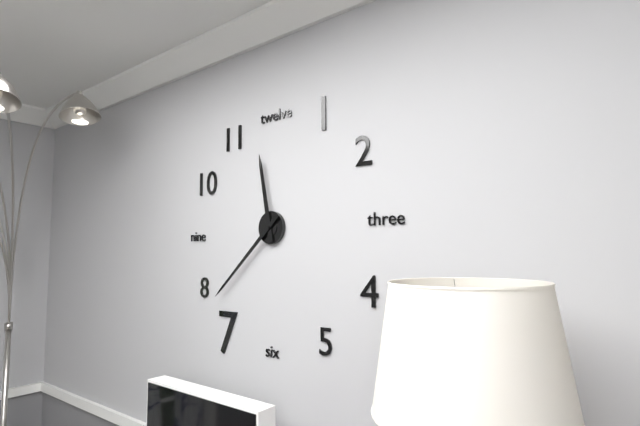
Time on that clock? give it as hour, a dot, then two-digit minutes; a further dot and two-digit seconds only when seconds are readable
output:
11.38
